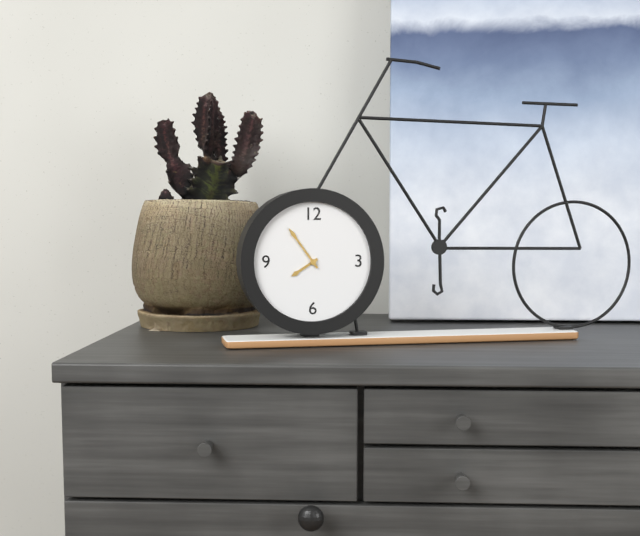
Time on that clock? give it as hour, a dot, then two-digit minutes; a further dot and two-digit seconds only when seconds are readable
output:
7.54
